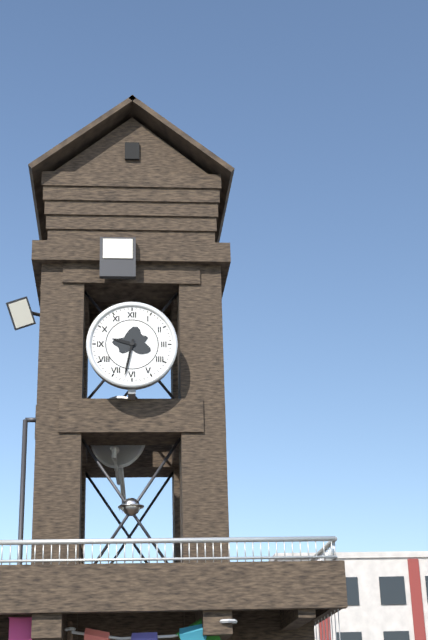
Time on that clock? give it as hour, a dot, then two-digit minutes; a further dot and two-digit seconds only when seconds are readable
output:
9.32
